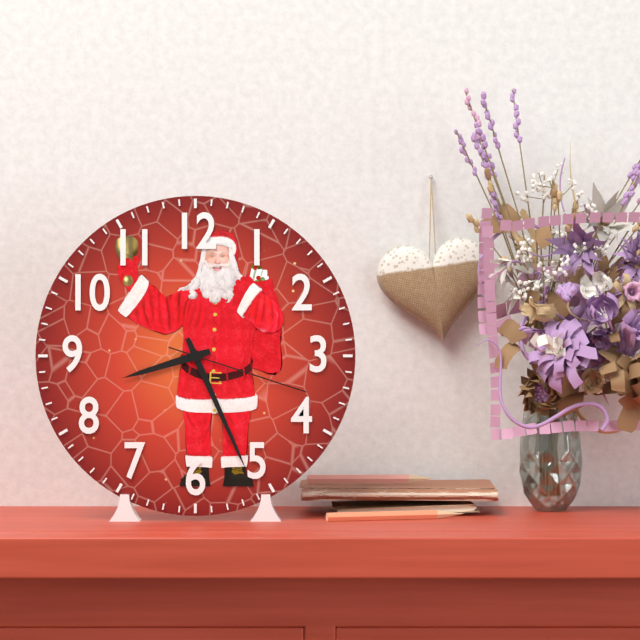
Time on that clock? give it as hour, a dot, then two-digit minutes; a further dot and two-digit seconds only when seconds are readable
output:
8.26.18
